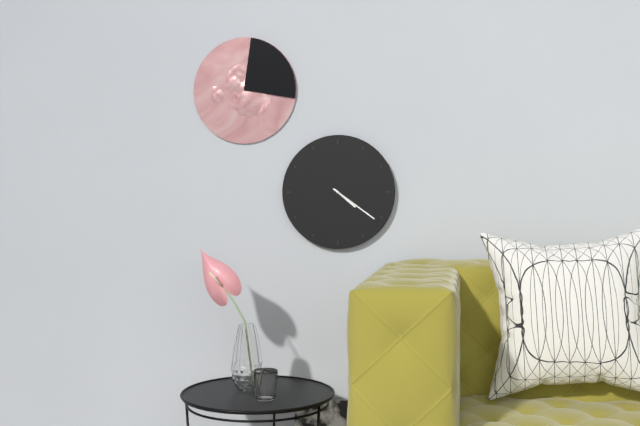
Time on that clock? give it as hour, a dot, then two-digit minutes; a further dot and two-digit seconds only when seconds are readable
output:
4.21
